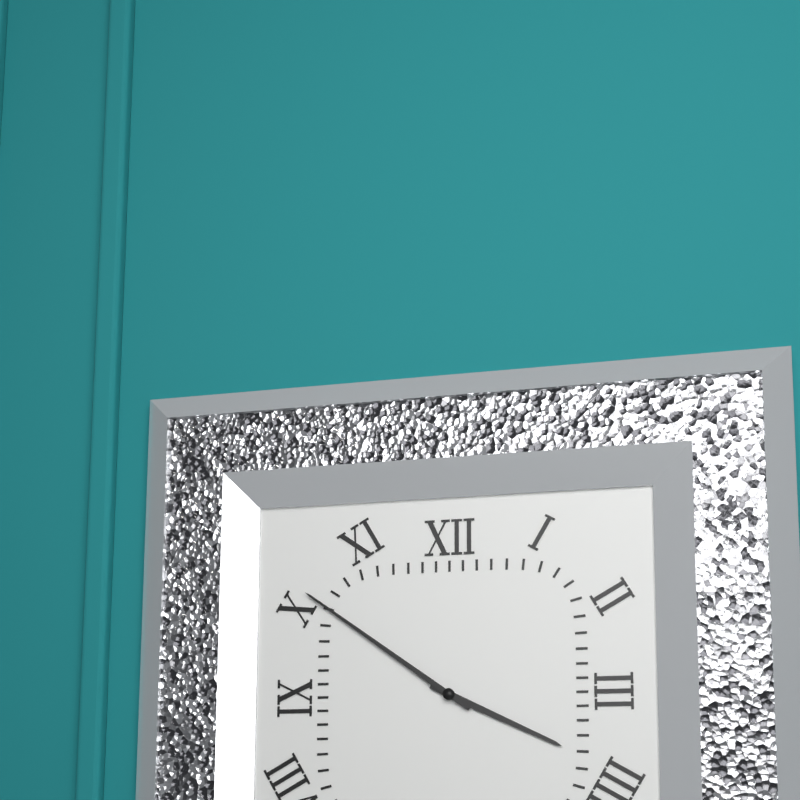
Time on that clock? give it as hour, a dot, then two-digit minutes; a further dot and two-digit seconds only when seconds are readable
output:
3.51
